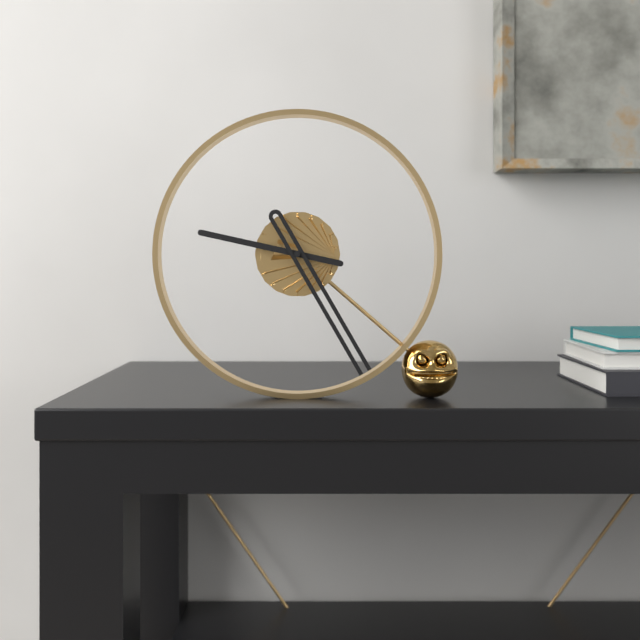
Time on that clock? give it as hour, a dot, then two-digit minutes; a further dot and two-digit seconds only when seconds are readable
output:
9.25
